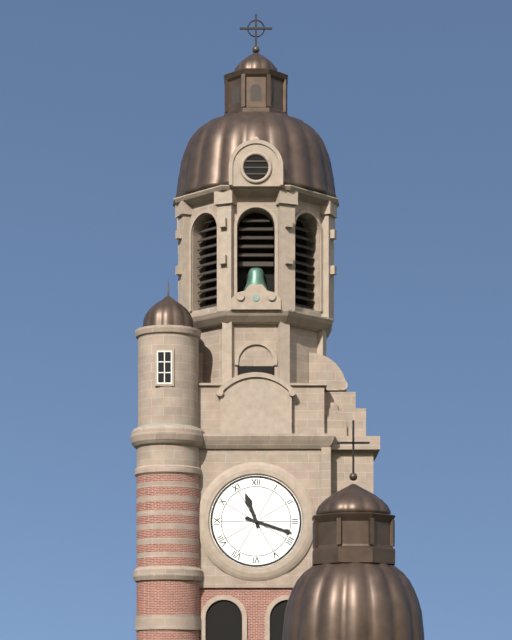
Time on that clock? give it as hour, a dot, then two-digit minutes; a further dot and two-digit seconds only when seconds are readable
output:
11.18
